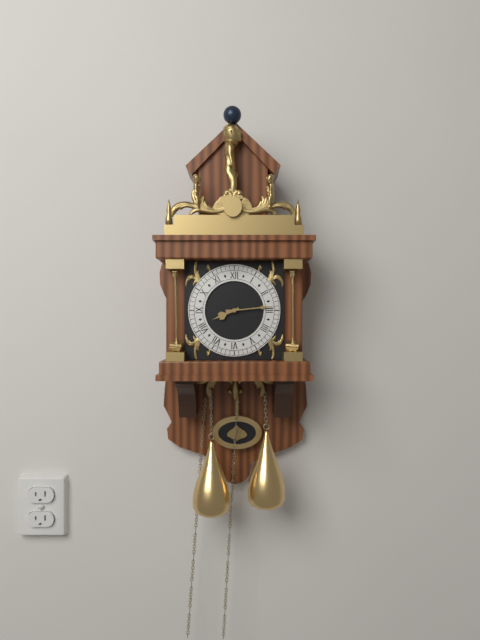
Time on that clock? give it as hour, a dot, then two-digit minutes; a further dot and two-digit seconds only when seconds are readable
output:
8.14
